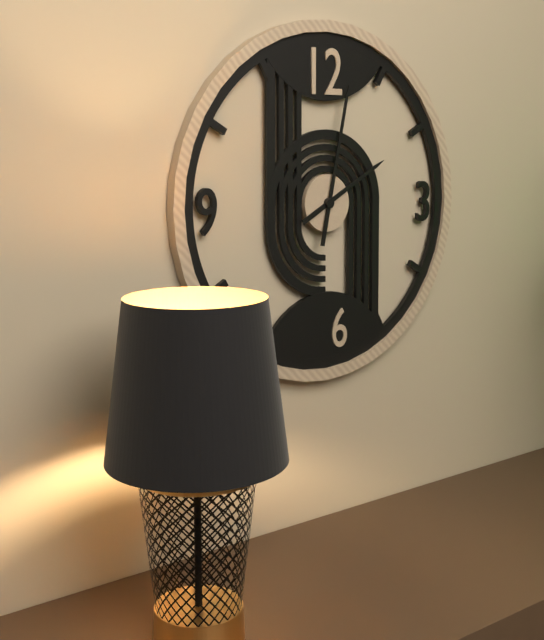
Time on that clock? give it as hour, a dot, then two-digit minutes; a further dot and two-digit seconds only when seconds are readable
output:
2.02
